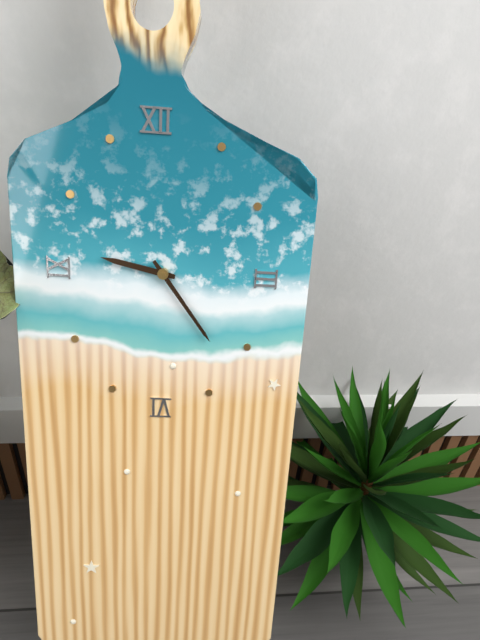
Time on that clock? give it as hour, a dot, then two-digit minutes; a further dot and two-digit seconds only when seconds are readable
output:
9.24
